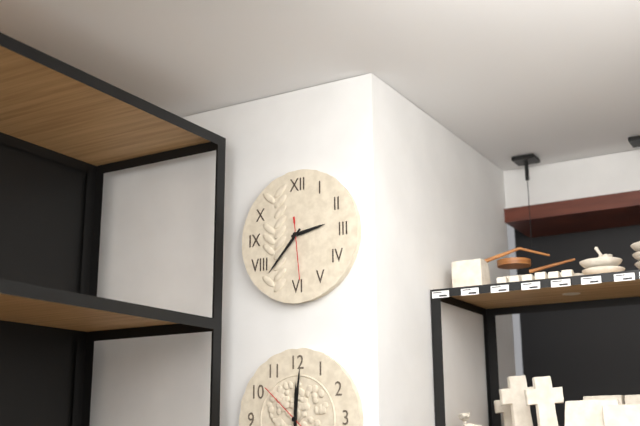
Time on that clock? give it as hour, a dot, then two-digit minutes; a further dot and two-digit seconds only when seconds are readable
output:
2.37.29
